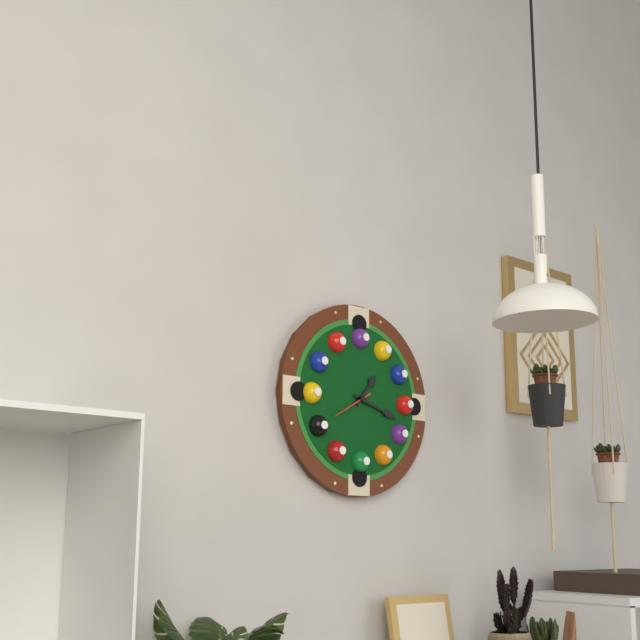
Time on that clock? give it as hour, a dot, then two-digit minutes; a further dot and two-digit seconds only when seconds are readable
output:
1.18
